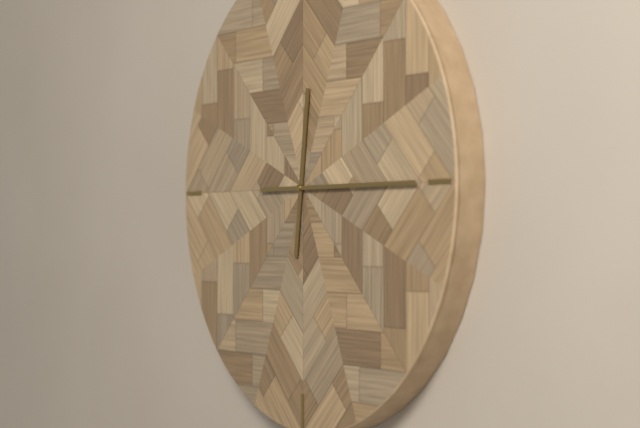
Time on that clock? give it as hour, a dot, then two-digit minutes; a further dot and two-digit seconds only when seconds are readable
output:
12.15
